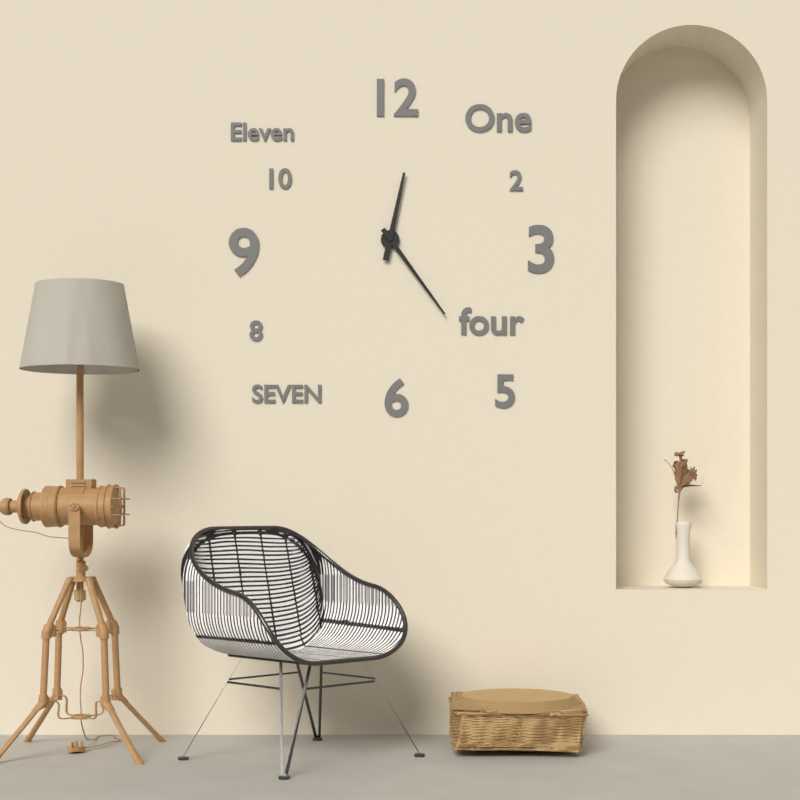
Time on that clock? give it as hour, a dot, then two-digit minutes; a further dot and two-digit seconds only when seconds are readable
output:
12.24
